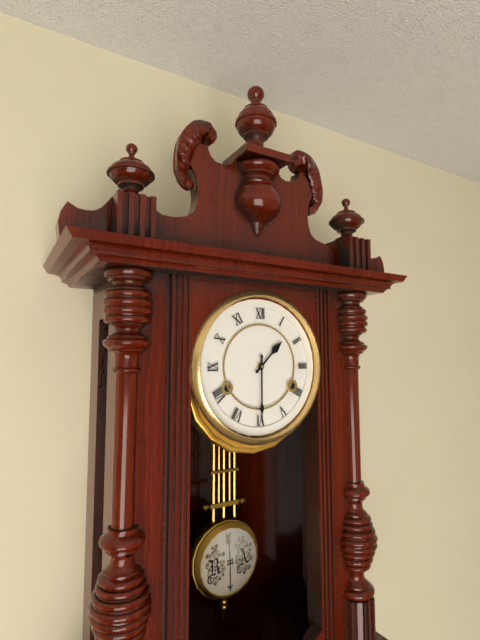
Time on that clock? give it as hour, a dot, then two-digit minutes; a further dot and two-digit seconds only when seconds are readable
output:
1.30
